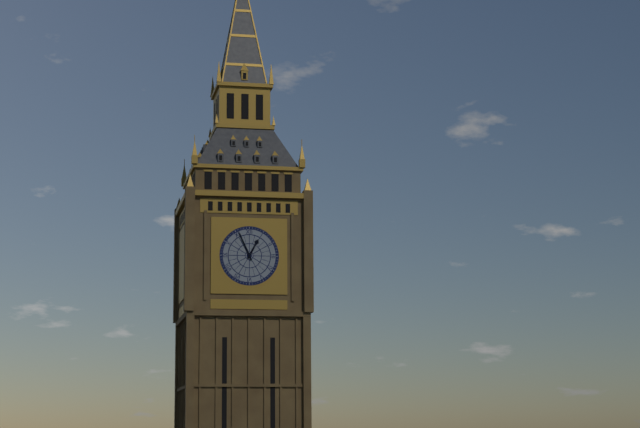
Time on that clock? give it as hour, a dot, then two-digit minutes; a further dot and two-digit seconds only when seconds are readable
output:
12.56
